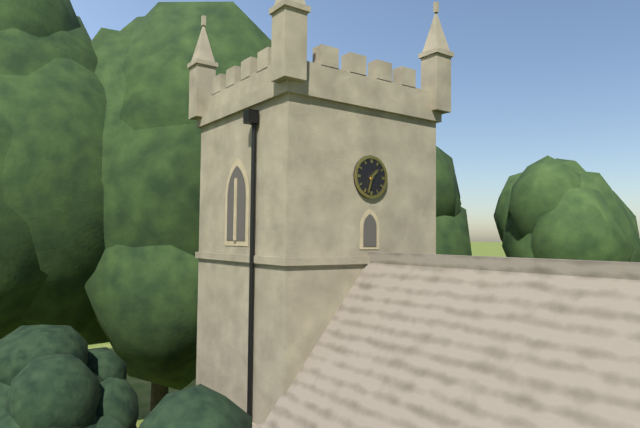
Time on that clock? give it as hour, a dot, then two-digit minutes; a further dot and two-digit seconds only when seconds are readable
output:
1.33
